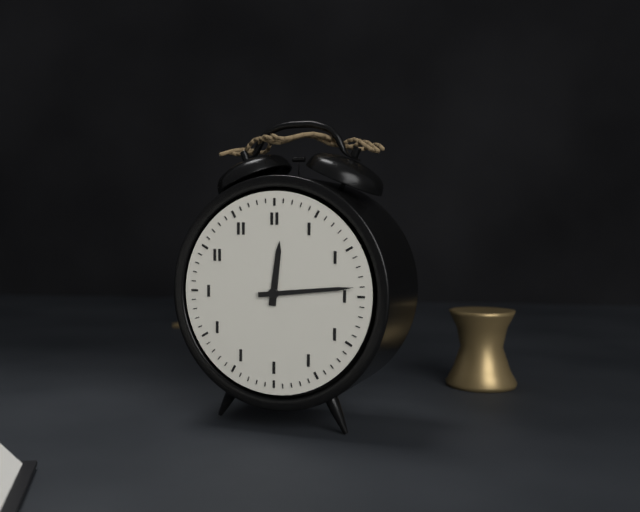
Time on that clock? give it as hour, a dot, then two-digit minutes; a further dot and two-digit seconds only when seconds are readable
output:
12.14
